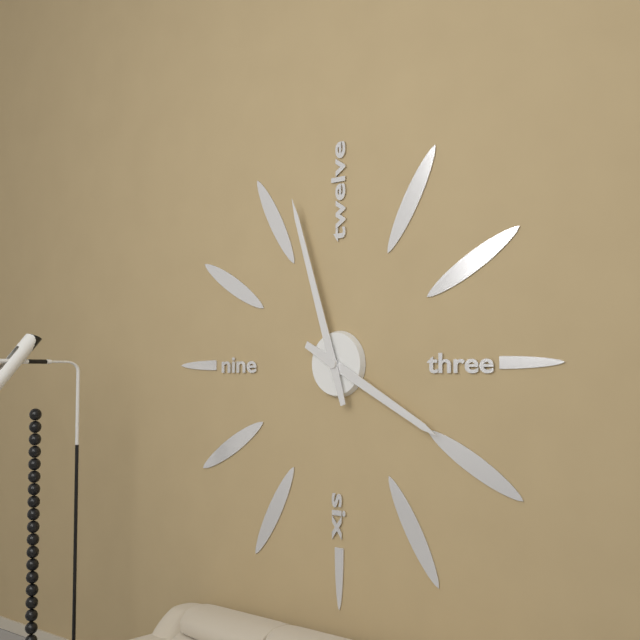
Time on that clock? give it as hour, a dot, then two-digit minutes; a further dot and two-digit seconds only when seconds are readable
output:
3.57
